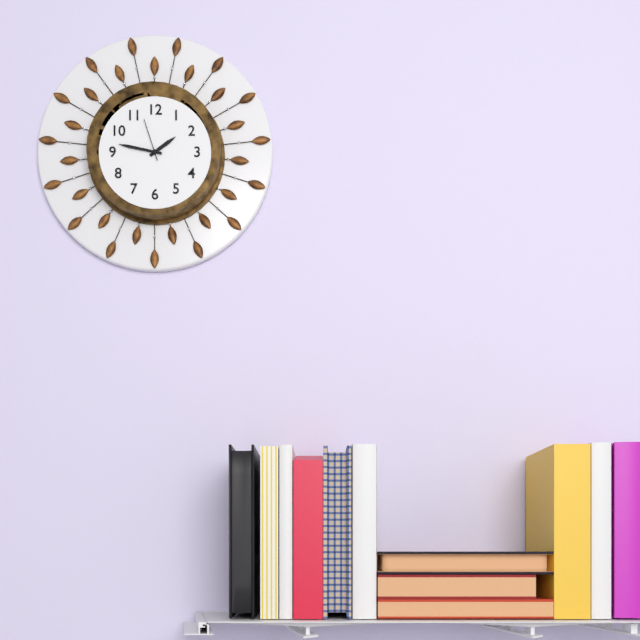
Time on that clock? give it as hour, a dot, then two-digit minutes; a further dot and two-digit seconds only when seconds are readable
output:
1.47
